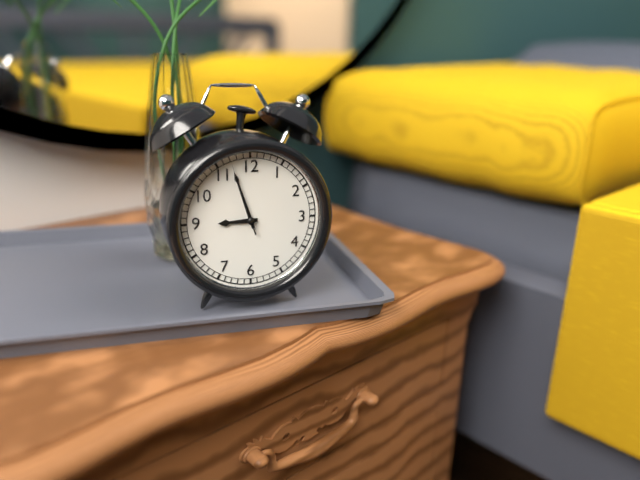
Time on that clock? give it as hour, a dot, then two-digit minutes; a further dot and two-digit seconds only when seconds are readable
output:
8.57.57
